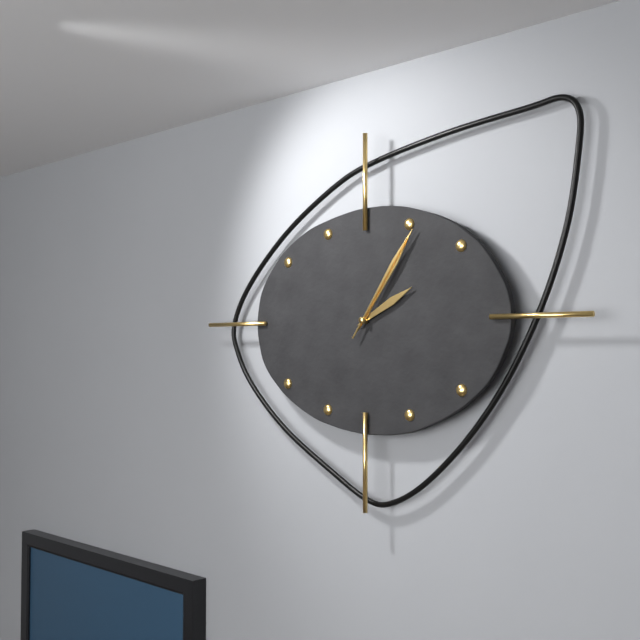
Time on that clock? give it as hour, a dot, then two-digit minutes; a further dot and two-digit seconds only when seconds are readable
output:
2.06.06
